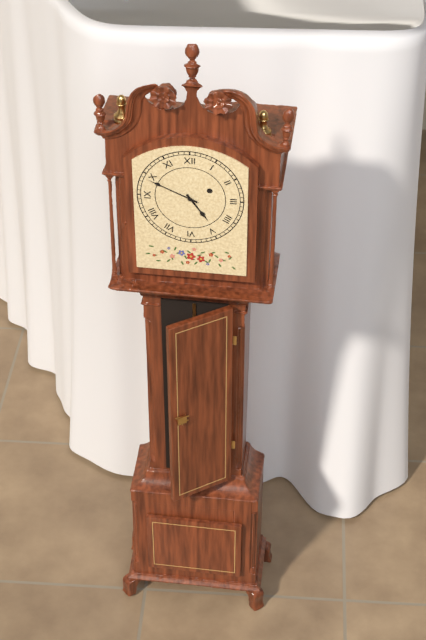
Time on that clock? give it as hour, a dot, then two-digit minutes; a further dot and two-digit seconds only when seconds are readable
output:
4.49
